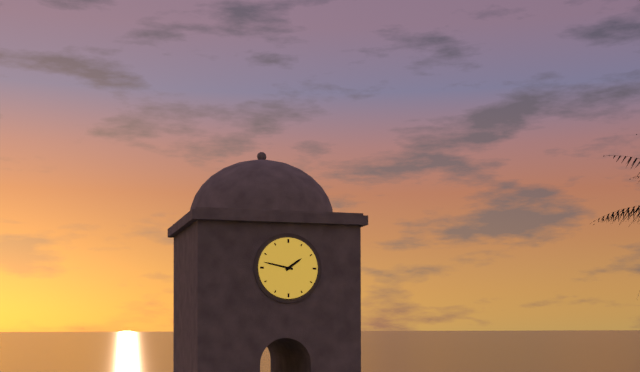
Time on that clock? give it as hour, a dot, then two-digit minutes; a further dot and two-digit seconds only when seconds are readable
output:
1.47
